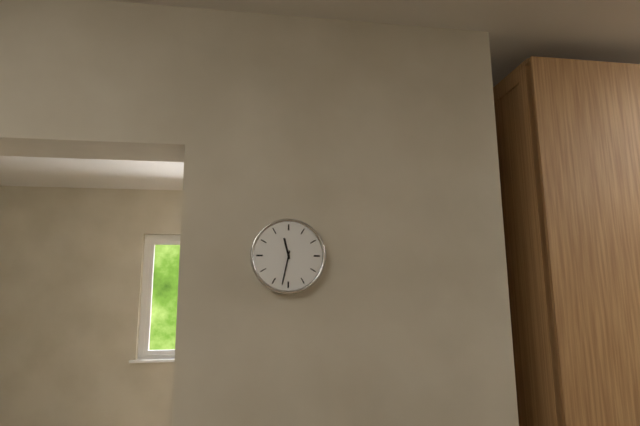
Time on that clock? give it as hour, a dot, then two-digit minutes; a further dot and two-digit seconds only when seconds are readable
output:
11.32
